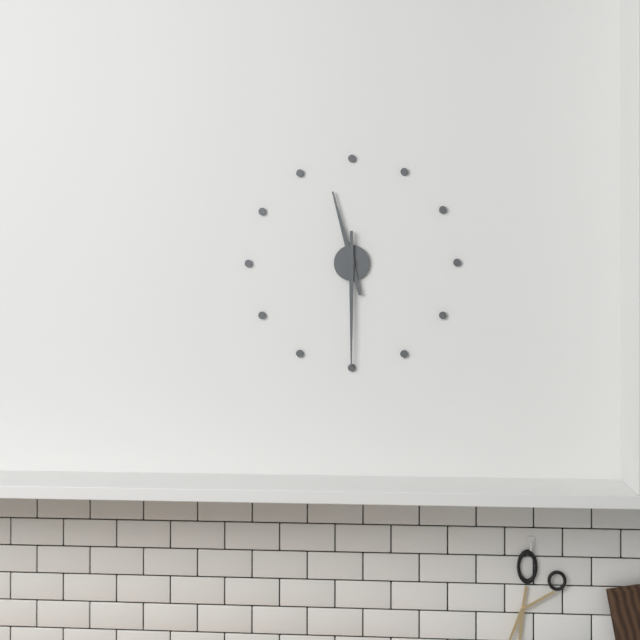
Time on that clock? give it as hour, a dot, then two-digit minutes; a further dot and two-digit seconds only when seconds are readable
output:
11.30
